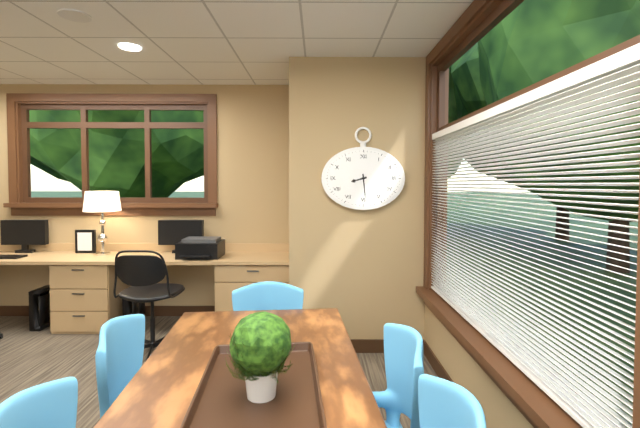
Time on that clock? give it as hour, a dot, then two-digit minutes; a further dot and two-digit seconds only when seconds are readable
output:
8.29
